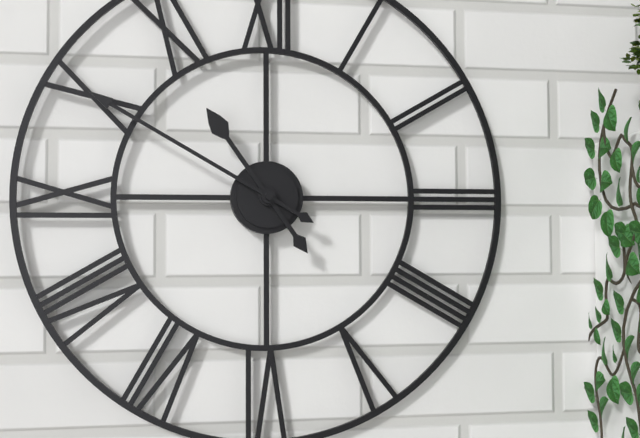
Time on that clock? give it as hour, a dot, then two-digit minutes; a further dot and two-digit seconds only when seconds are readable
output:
10.50
